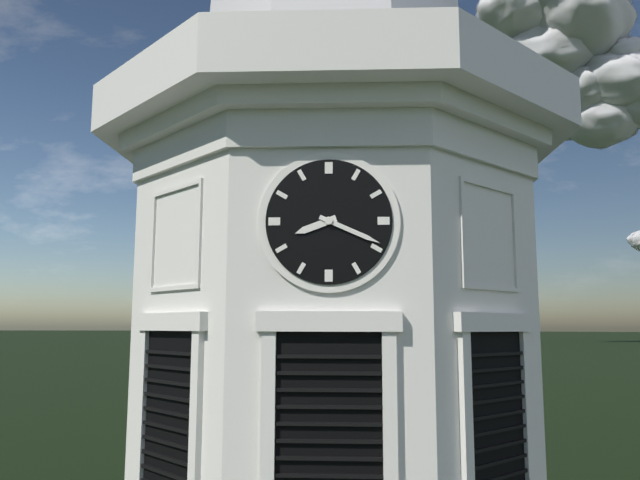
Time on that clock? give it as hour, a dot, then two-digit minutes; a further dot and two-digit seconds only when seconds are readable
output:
8.19
